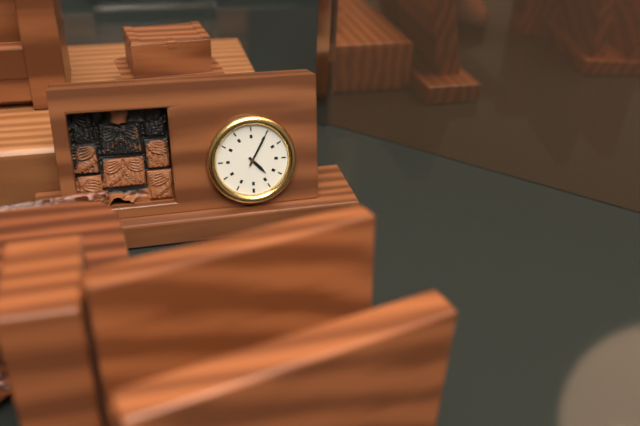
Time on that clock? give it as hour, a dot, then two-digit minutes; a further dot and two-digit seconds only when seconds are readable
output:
10.35
